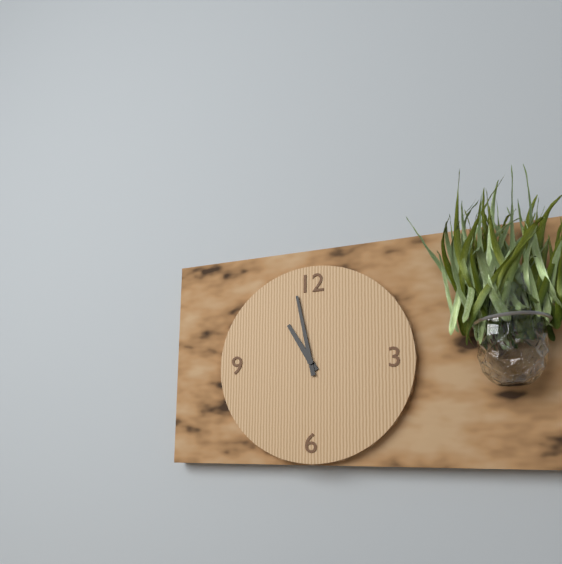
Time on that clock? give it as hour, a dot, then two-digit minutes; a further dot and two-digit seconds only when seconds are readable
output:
10.58
